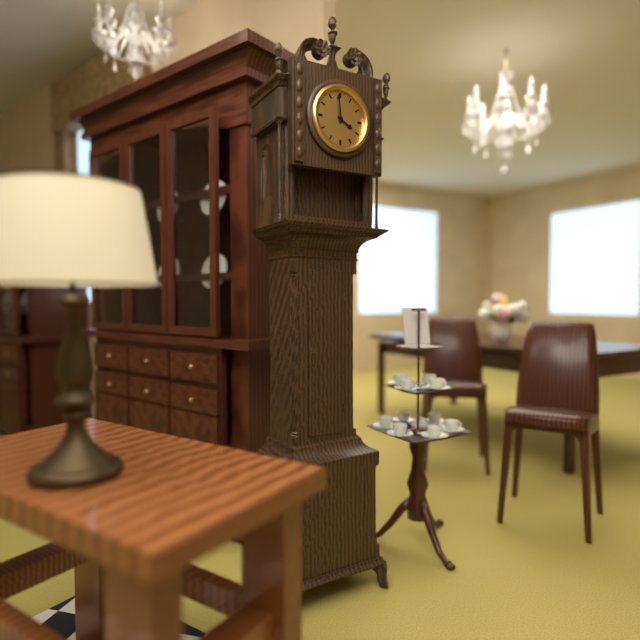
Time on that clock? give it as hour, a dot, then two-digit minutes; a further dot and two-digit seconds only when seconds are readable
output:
3.59
